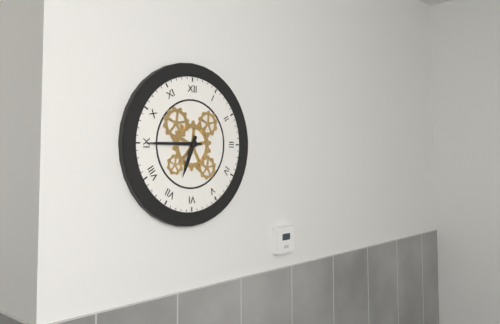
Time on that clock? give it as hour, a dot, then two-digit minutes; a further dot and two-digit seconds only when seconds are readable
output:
6.45
